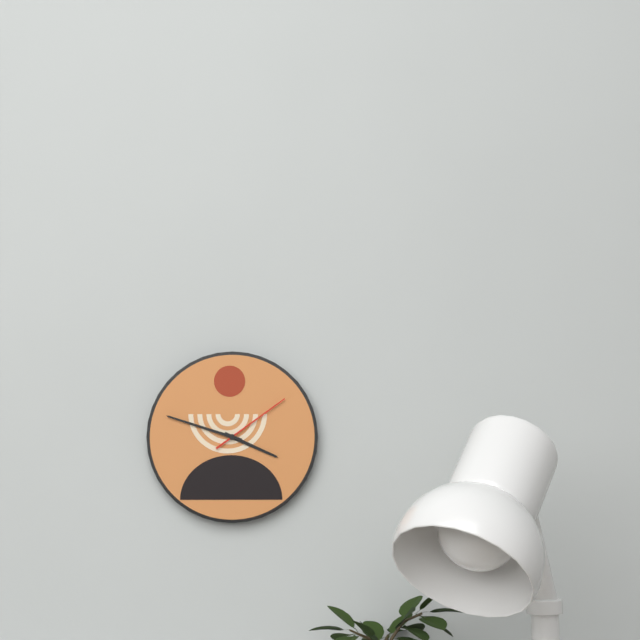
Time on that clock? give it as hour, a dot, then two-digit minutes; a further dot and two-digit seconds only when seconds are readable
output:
3.48.09
